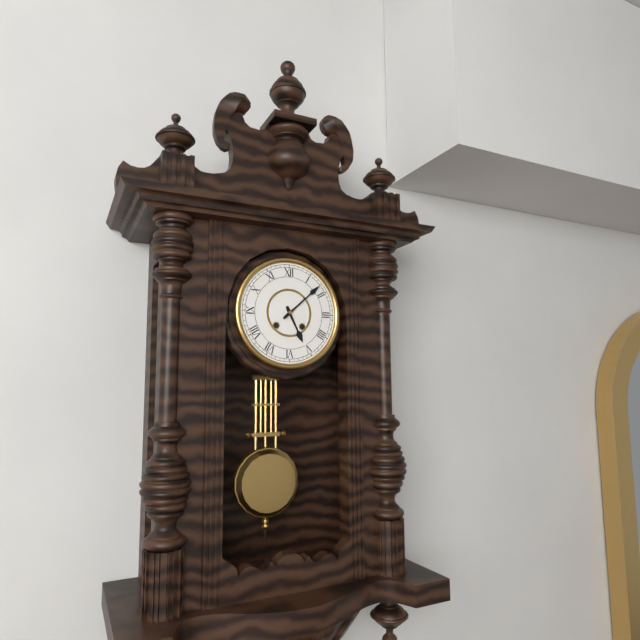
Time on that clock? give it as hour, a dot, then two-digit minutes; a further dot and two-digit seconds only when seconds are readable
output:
5.08
